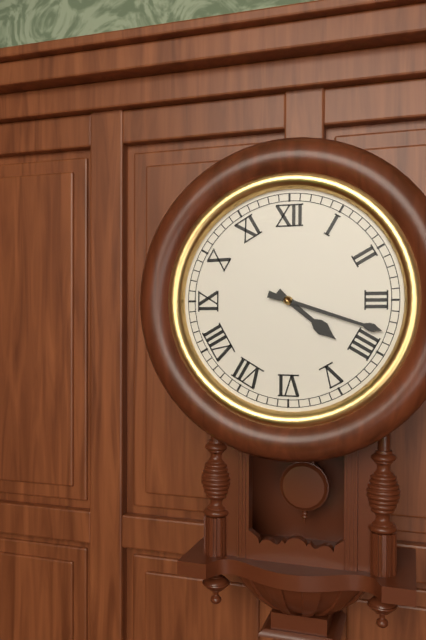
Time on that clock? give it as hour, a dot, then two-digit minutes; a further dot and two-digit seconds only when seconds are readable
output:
4.18
